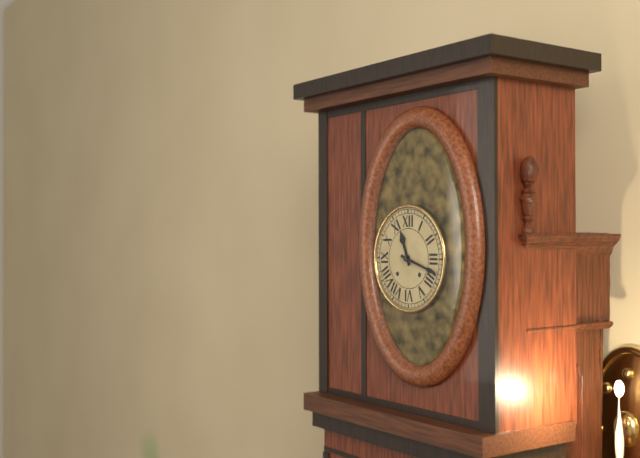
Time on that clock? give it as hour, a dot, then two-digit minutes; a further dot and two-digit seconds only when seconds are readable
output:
11.18
